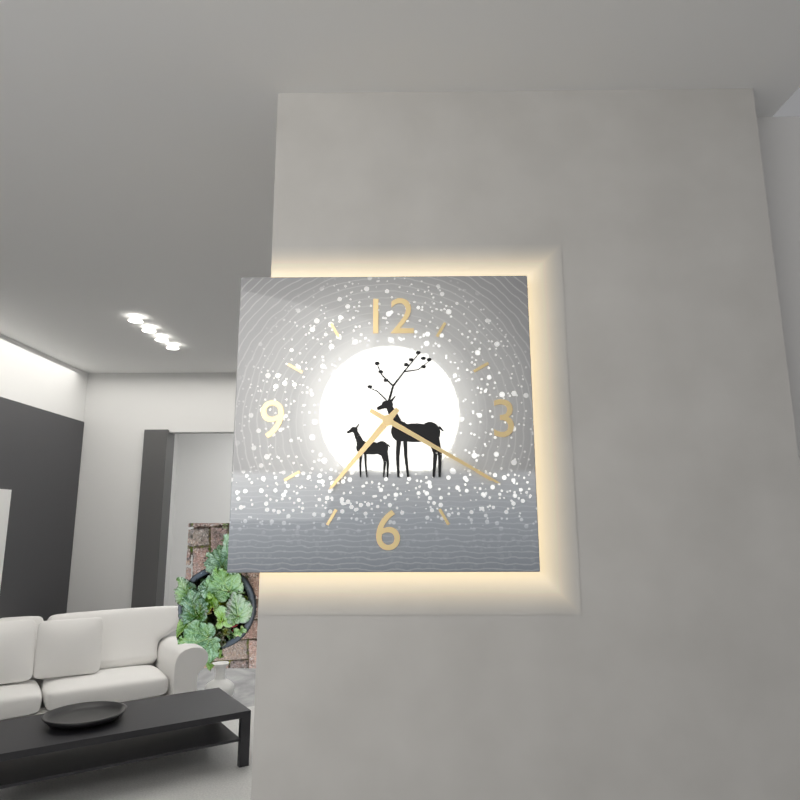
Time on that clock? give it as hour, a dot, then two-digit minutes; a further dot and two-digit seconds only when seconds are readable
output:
7.20
